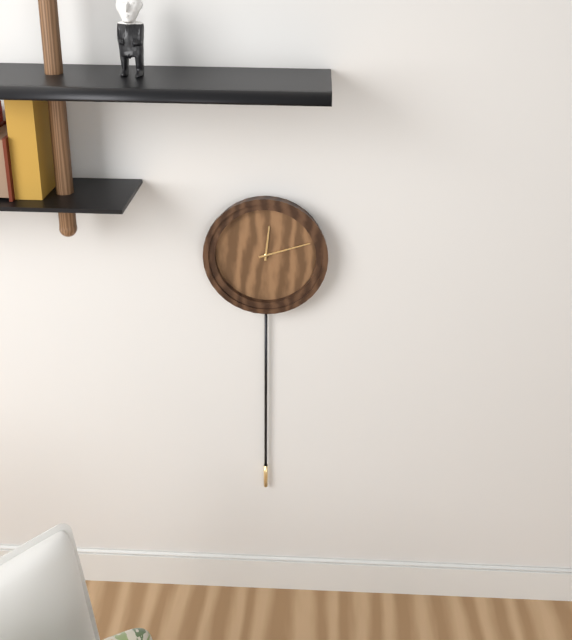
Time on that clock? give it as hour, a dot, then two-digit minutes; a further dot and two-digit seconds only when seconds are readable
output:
12.12
